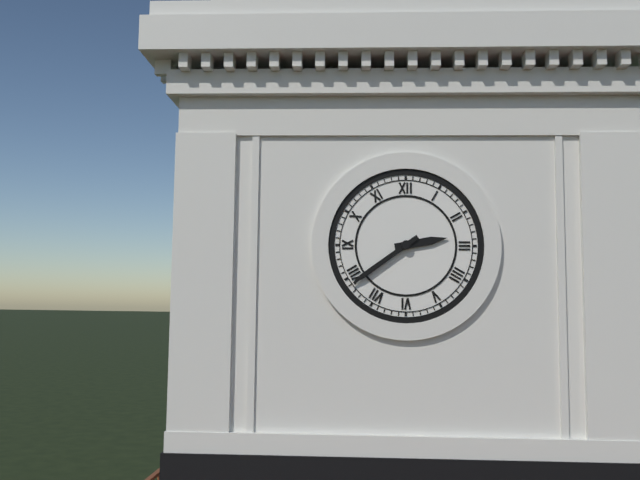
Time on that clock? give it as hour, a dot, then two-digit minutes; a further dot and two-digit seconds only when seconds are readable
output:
2.39
